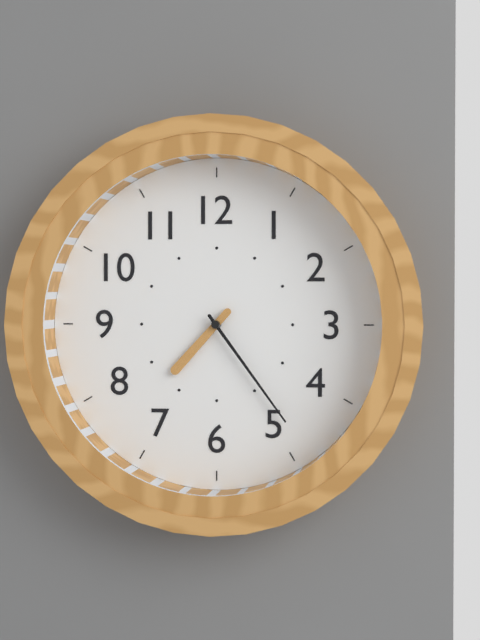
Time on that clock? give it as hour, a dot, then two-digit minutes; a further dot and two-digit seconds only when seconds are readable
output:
7.24
